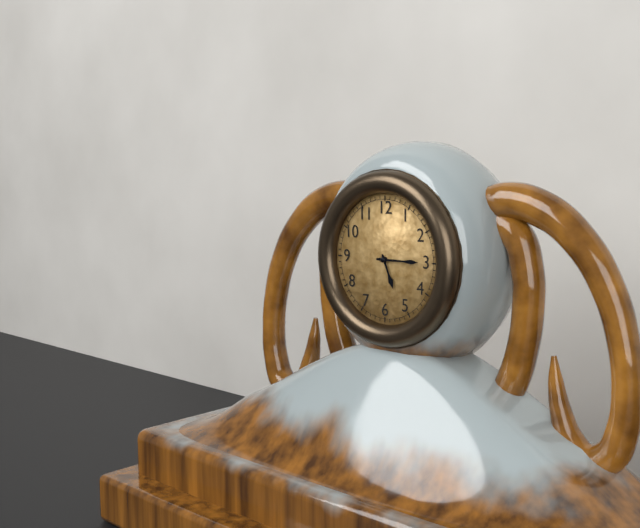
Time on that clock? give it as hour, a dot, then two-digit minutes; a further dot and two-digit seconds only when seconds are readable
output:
5.15
